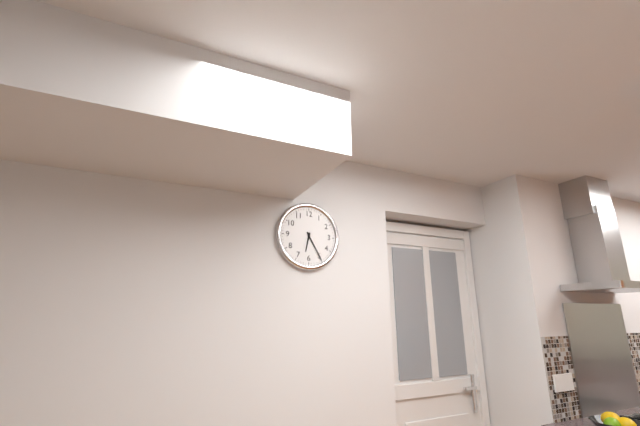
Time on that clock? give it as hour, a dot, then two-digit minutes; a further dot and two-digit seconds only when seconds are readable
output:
6.25
